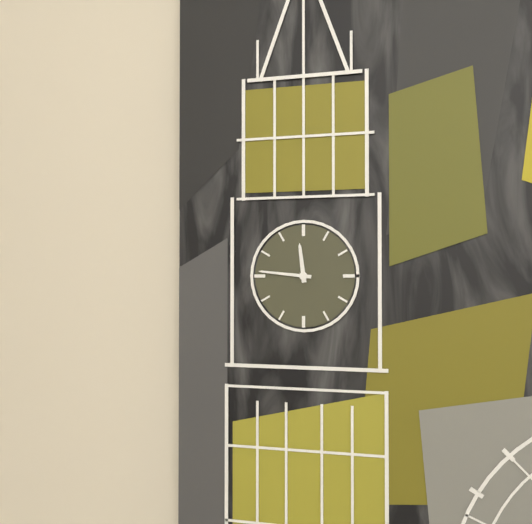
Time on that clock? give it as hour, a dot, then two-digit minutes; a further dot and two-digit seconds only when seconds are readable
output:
11.46
